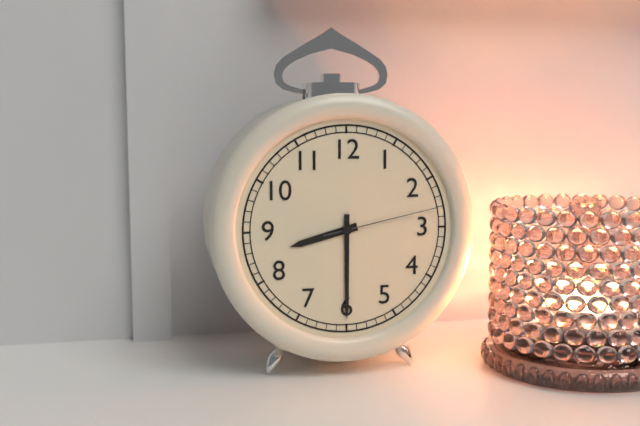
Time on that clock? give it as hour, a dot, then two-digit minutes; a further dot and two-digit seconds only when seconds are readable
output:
8.30.13
